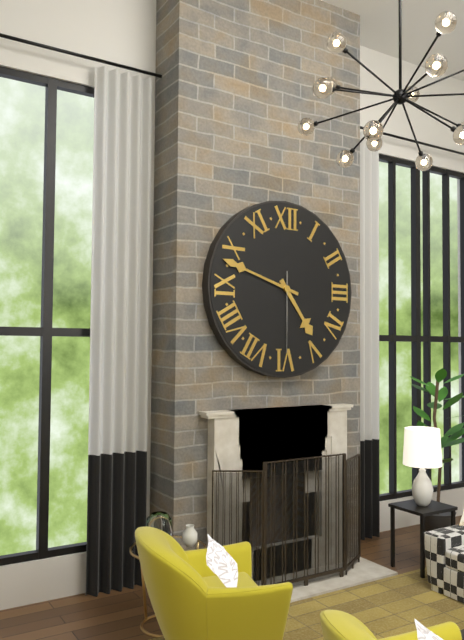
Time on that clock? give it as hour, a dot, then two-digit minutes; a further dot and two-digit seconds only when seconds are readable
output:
4.48.30
